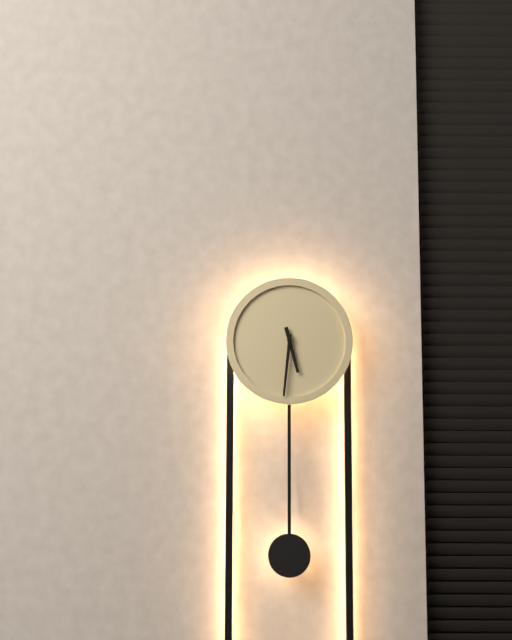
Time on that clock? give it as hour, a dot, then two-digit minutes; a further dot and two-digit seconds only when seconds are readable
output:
5.31
